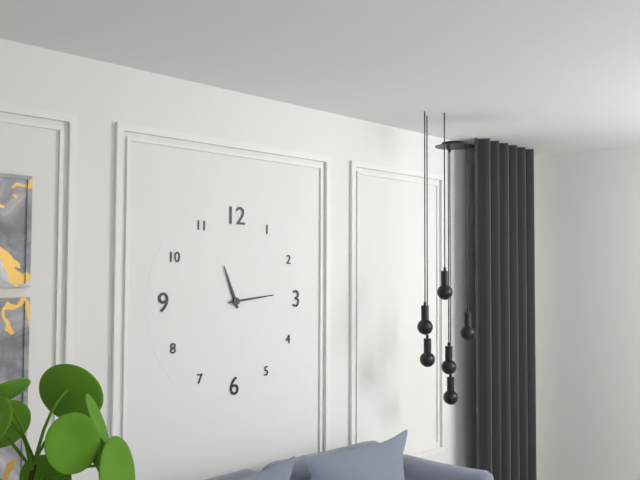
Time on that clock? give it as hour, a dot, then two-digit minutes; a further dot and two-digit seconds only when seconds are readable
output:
11.14
